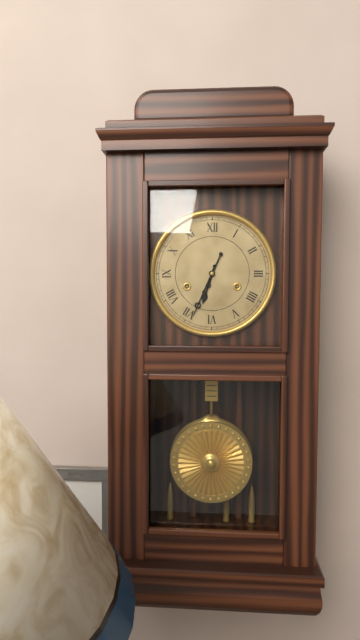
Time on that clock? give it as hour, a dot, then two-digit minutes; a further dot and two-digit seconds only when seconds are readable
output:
6.34
